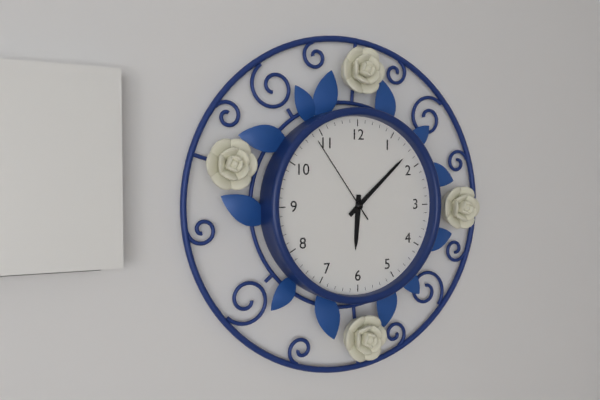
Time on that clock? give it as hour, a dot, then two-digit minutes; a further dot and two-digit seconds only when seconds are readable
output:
6.08.54
